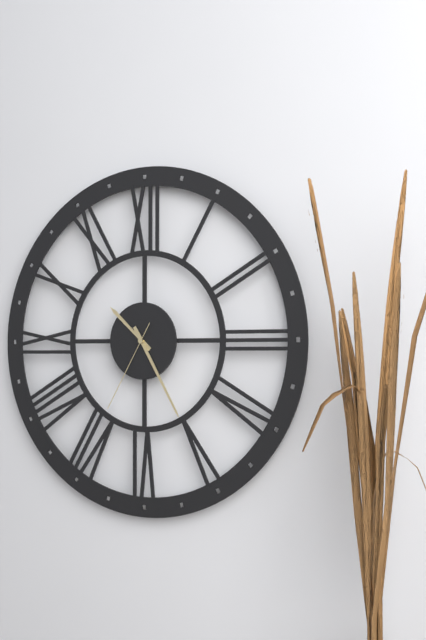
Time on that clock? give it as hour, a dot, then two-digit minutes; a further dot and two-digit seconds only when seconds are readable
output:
10.25.35
